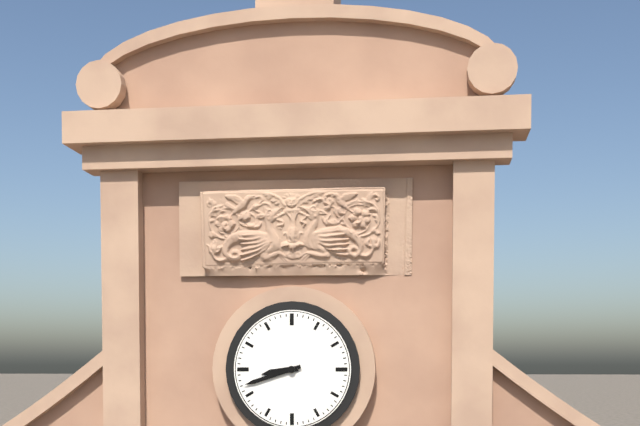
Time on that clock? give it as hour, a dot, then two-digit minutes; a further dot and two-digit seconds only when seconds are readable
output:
8.42
